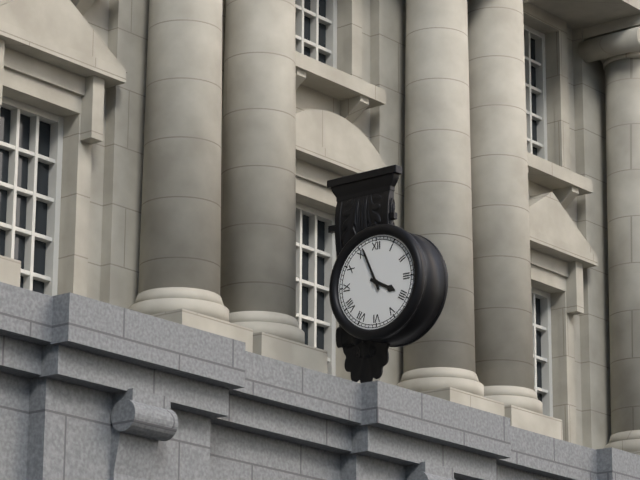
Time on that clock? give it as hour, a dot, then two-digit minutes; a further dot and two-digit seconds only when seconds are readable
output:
3.56
